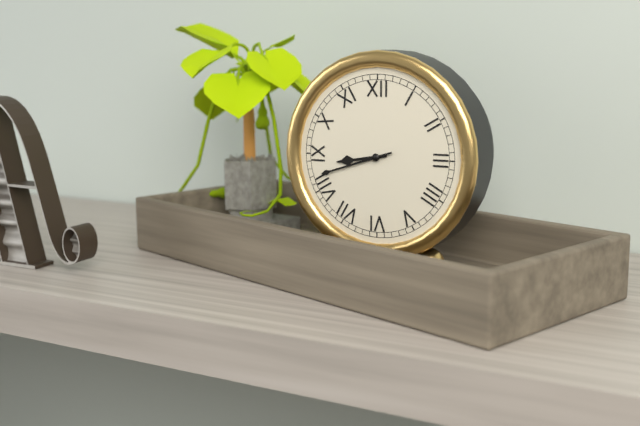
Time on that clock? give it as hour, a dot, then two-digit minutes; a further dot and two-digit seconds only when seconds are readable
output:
8.42
